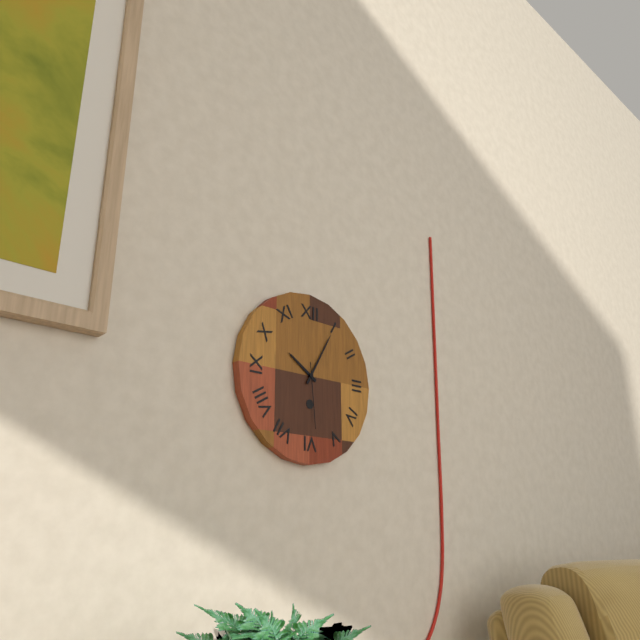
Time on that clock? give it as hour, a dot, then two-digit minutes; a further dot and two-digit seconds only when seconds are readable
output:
10.05.29
